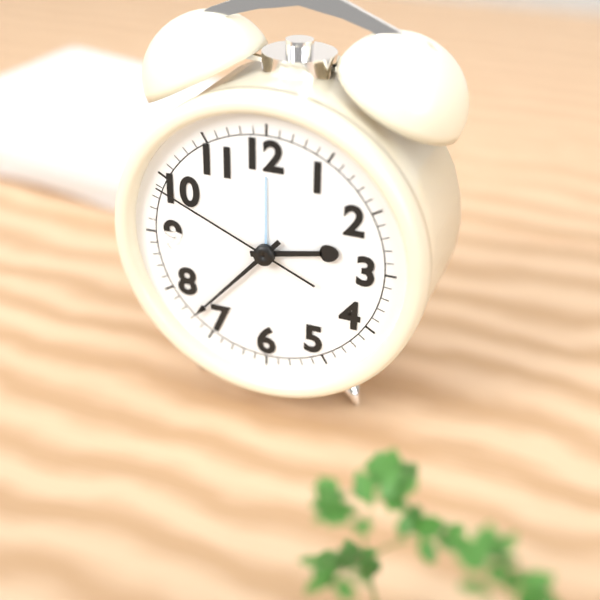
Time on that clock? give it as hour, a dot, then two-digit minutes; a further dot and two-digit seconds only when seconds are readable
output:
2.37.49
